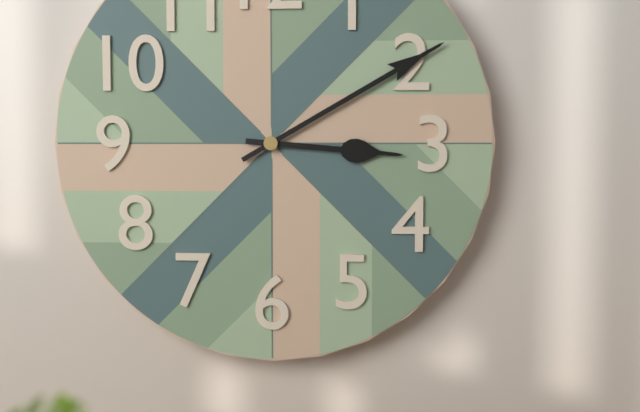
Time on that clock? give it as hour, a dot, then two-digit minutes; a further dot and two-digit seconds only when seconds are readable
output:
3.10
